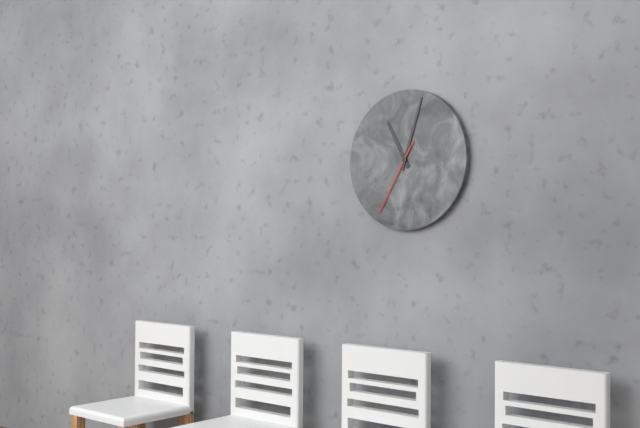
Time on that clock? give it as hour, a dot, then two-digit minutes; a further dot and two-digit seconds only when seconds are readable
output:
11.03.35
